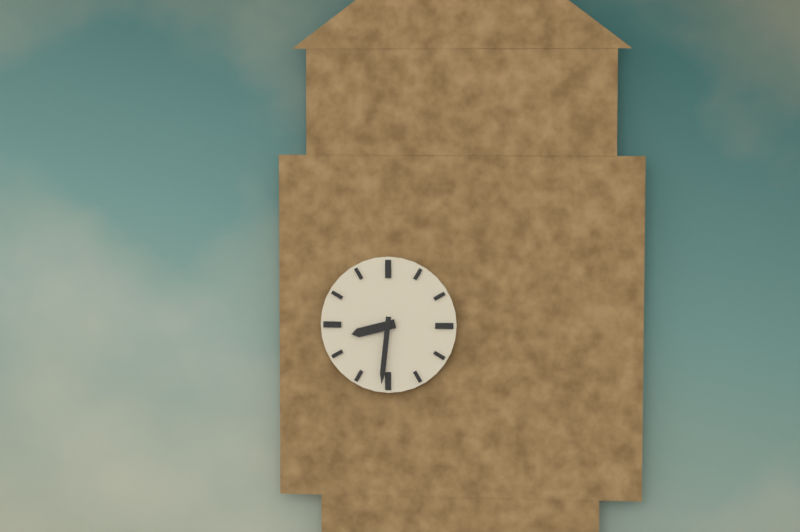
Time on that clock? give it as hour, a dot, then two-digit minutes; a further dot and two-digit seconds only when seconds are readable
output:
8.31
